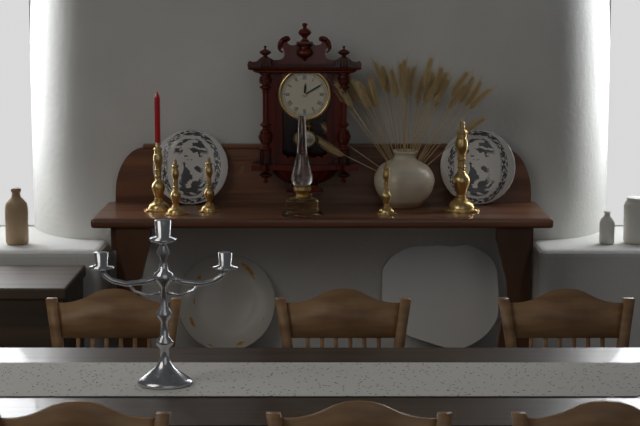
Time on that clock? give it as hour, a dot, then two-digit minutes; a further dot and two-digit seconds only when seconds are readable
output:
12.10
